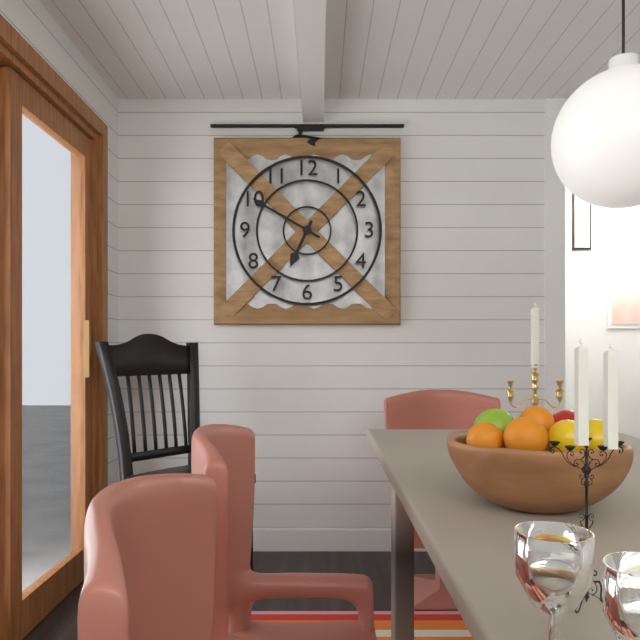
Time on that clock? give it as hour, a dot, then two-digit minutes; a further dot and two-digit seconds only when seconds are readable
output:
6.50
